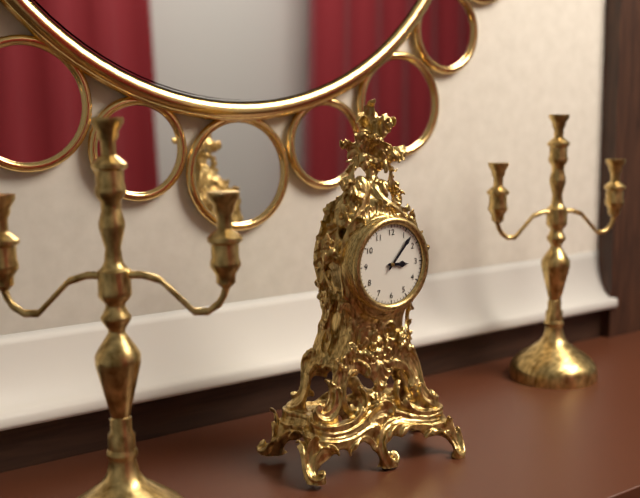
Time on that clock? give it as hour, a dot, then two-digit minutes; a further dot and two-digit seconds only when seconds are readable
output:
3.07
